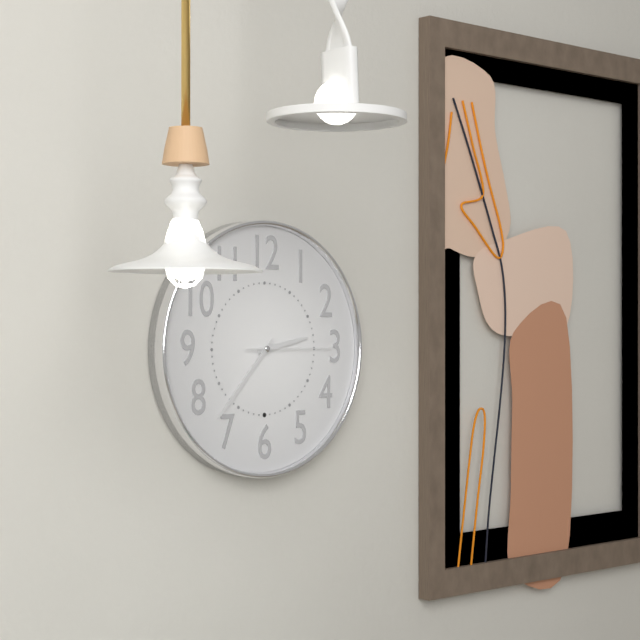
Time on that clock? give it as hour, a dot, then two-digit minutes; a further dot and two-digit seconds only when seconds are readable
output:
2.37.15
